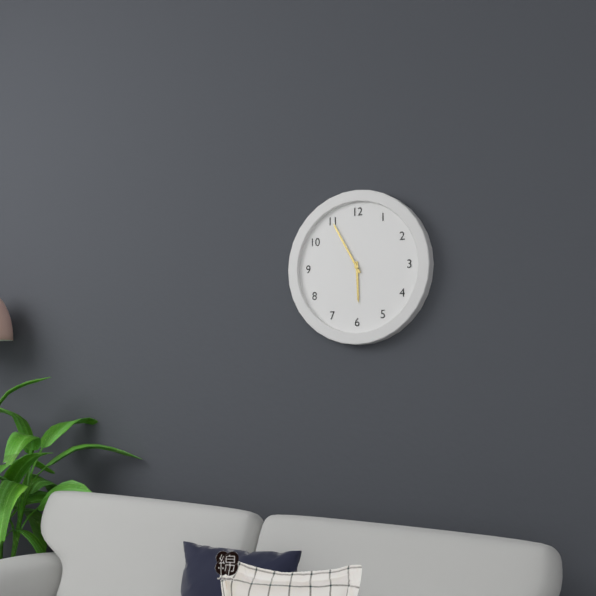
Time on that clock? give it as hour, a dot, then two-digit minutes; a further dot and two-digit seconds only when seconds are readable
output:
5.55
